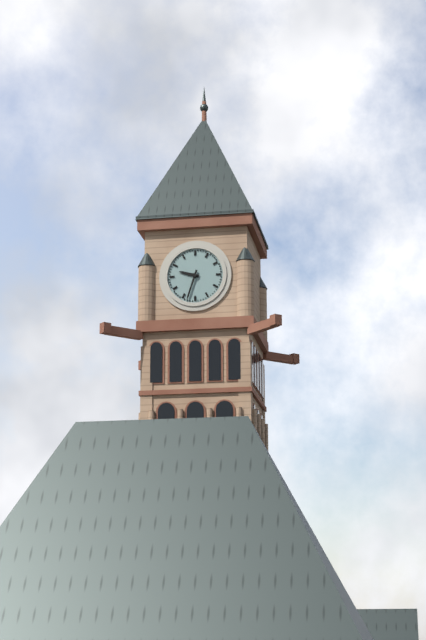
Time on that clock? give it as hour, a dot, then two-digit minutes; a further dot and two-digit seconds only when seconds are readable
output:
9.33
